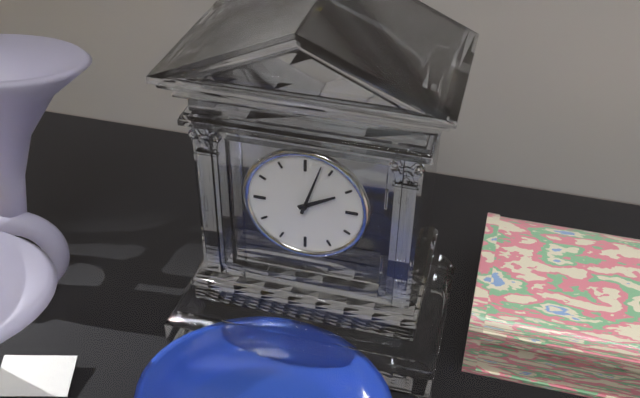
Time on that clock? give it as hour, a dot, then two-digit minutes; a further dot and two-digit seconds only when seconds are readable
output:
2.03
